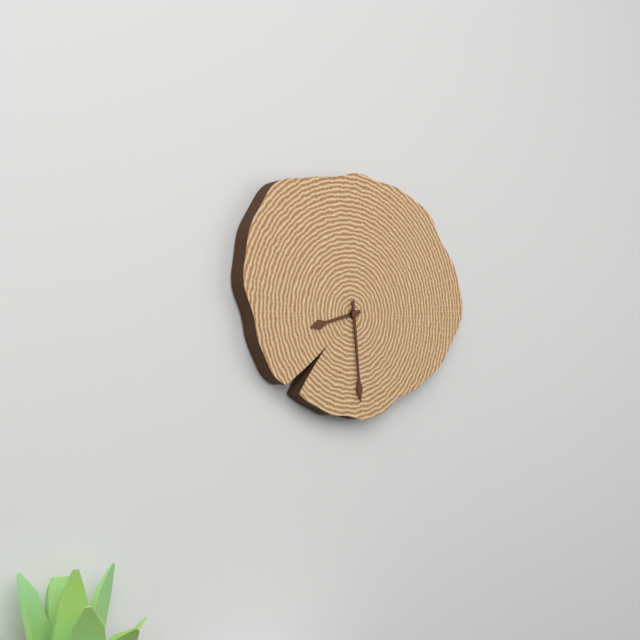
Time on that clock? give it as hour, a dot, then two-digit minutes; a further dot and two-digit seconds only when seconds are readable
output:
8.29
